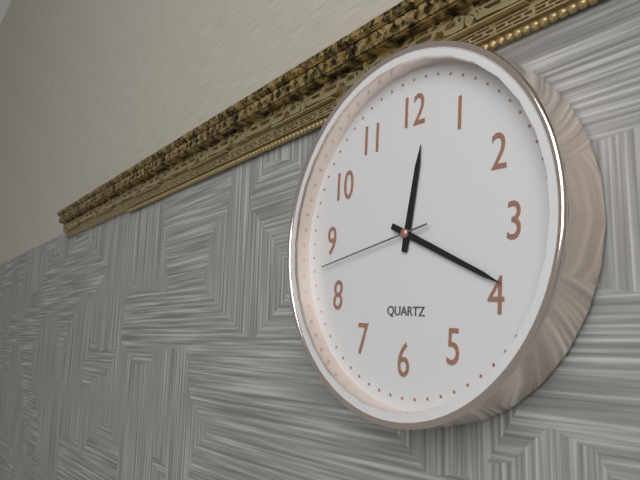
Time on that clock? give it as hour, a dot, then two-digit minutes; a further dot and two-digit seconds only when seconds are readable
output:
12.19.43
